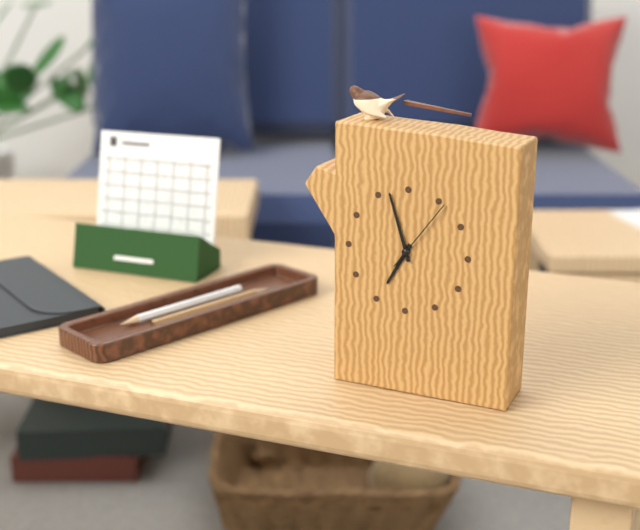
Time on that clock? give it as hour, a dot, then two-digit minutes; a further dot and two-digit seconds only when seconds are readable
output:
6.57.06
